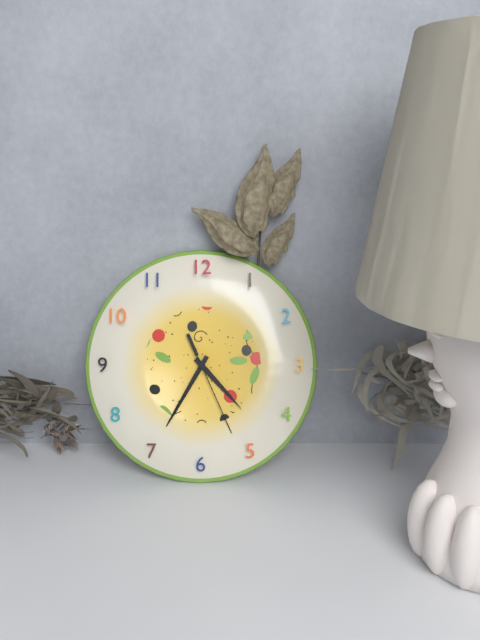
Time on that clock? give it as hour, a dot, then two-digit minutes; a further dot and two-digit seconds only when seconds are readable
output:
4.35.26
